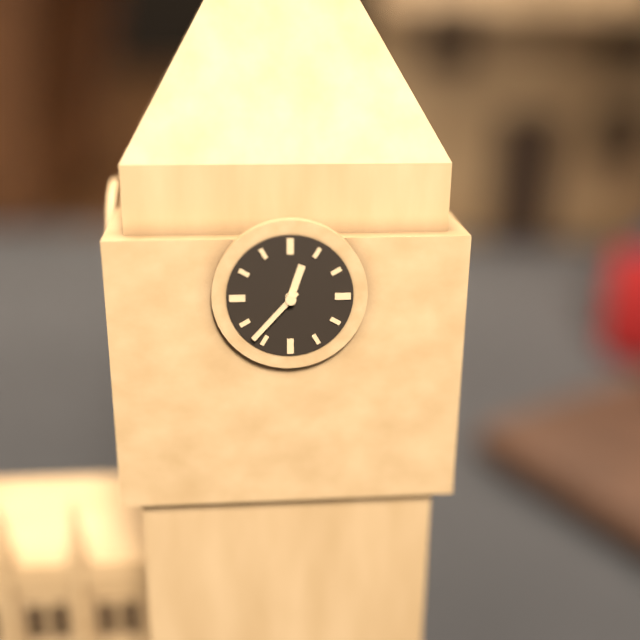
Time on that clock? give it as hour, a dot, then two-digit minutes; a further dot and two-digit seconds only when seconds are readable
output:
12.37
